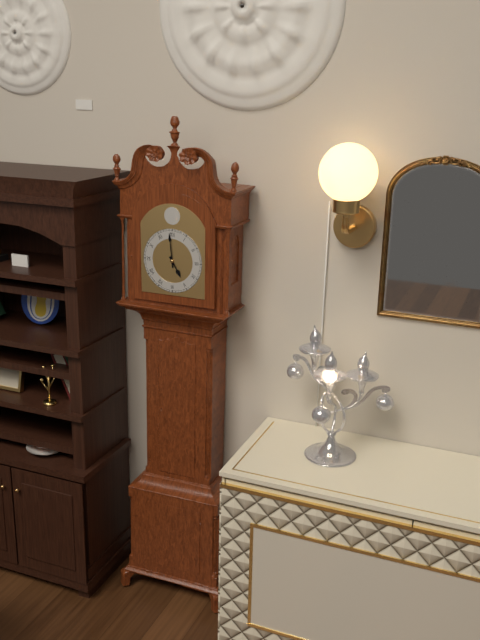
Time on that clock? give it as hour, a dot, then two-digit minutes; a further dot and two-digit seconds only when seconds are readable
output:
4.59
